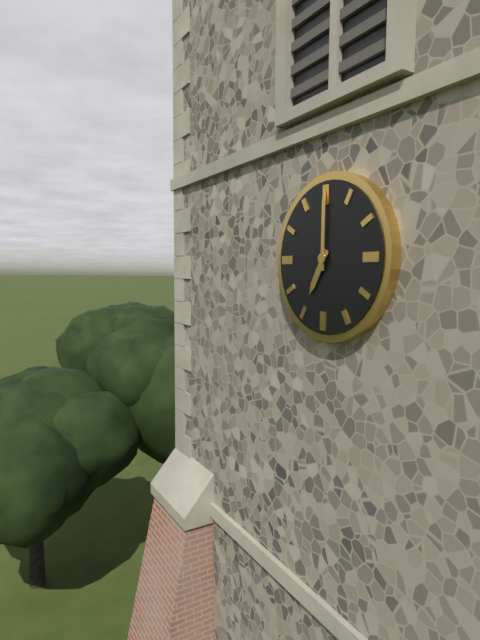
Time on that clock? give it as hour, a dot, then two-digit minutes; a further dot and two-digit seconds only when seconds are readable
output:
7.00
